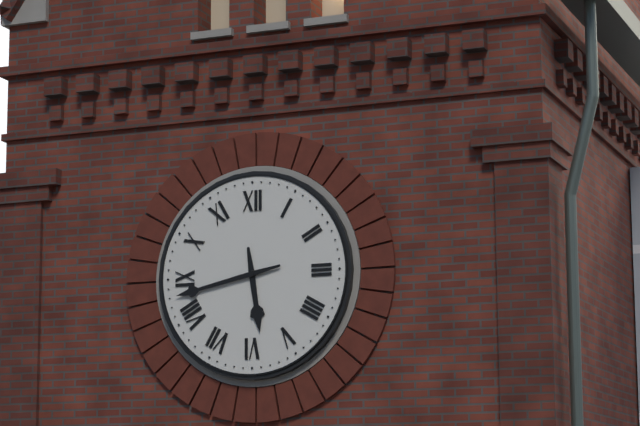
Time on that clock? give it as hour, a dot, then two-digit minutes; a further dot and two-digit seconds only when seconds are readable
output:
5.43
